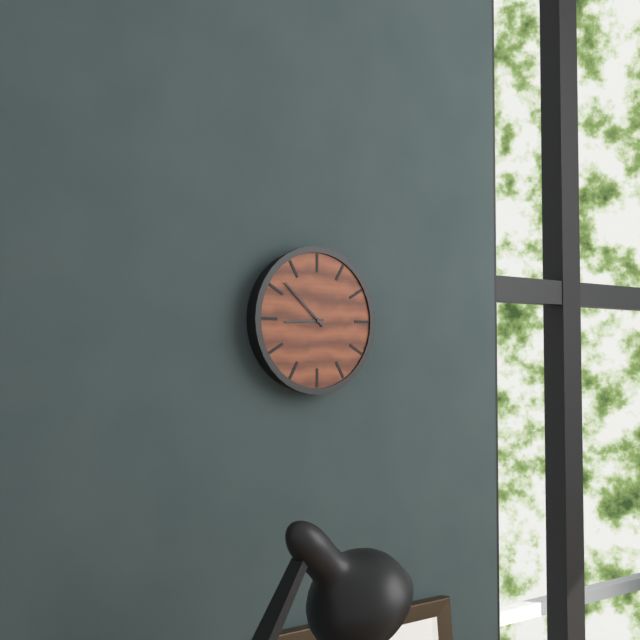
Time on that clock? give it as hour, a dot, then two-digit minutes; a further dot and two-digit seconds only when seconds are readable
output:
8.52
